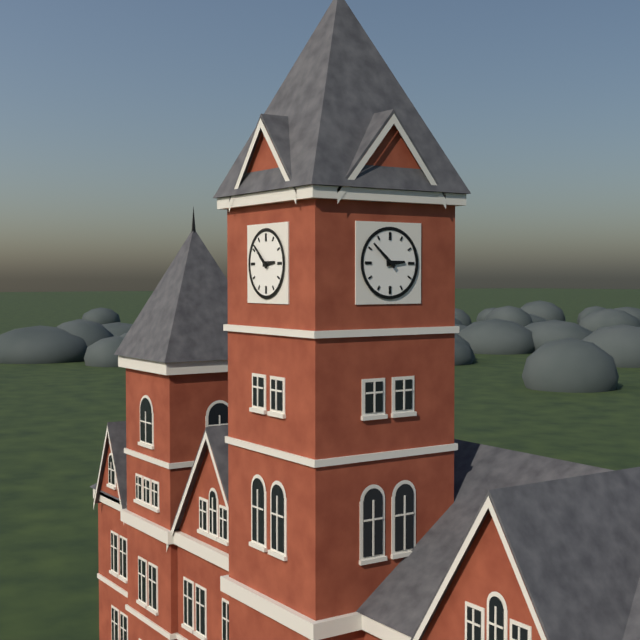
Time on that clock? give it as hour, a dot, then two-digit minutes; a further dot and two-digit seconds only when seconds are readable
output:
2.52
